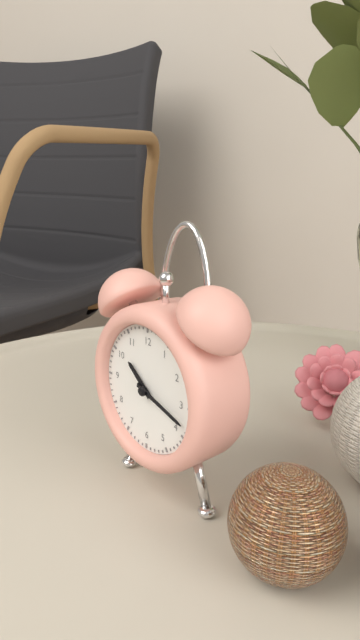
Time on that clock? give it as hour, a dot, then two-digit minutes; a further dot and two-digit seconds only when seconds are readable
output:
10.18
